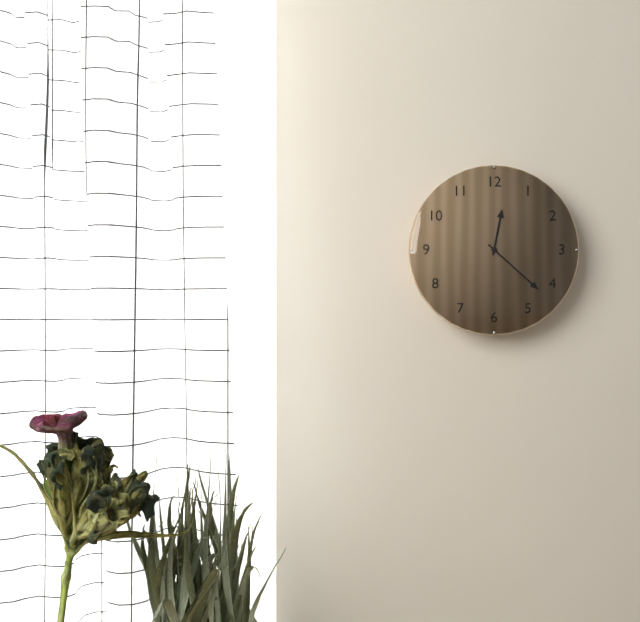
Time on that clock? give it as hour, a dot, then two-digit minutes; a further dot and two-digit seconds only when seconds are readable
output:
12.22
